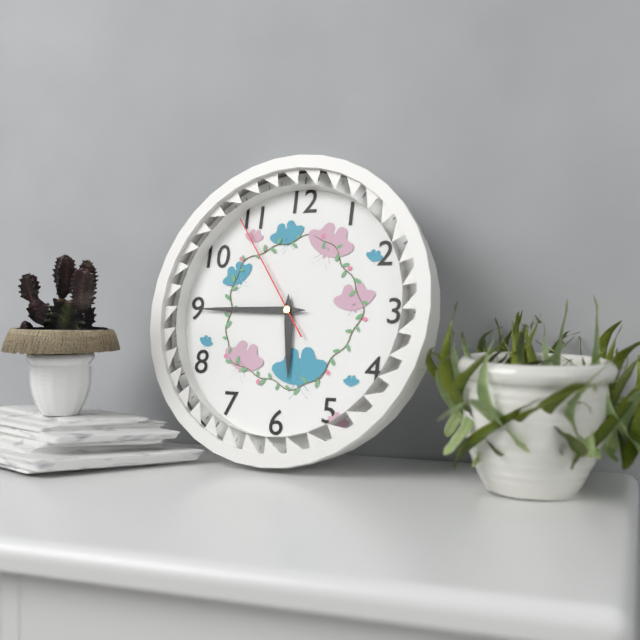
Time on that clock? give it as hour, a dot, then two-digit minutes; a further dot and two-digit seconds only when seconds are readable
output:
5.45.54
